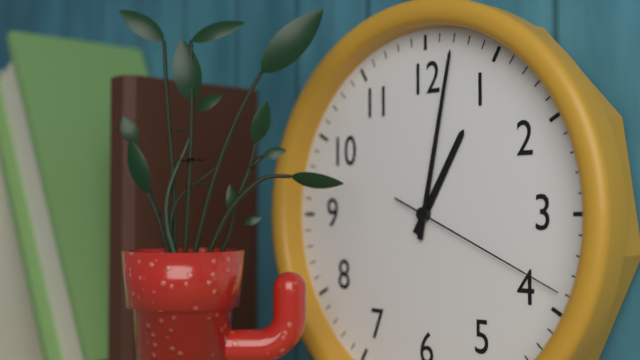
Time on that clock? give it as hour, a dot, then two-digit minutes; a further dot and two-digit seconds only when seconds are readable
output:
1.02.19
